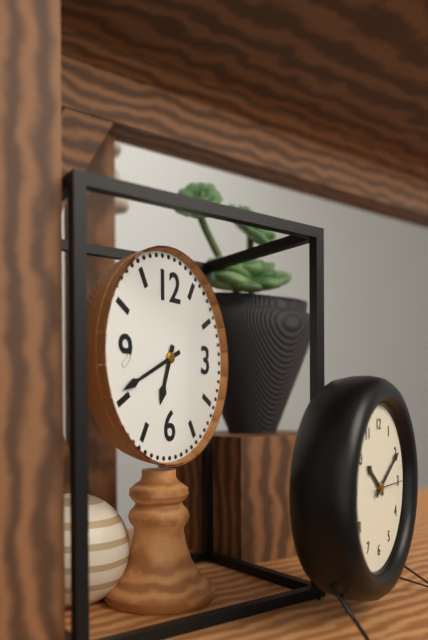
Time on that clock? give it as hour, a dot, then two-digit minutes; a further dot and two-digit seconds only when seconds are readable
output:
6.41
